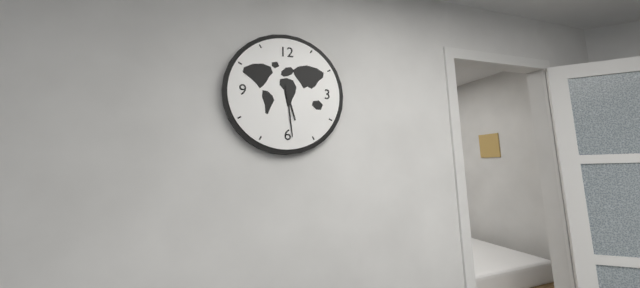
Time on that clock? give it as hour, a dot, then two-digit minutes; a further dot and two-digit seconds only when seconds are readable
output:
5.29
